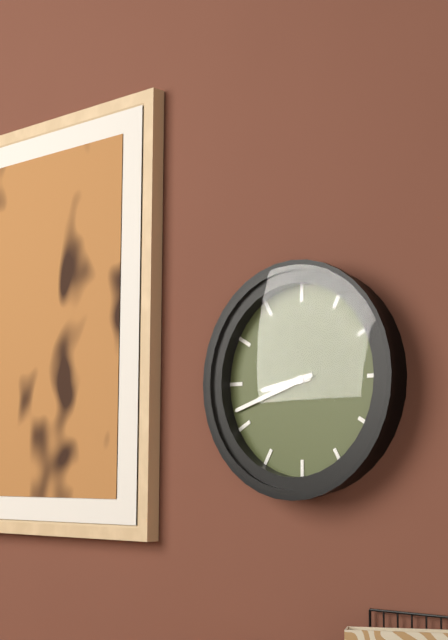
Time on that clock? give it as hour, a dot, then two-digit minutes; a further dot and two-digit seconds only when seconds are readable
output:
8.42
